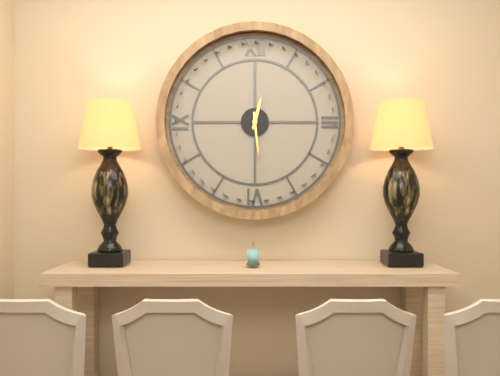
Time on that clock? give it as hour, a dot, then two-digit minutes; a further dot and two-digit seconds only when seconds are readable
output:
12.29
